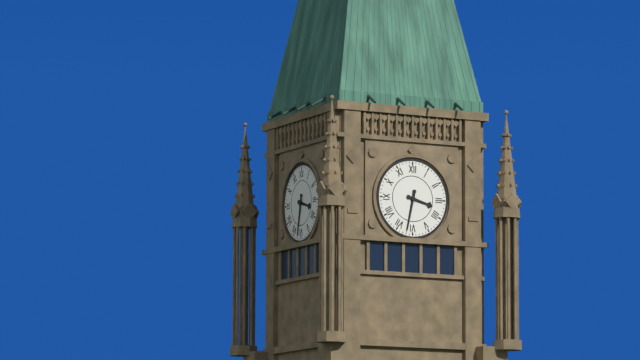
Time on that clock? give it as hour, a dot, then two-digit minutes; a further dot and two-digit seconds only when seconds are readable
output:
3.32
